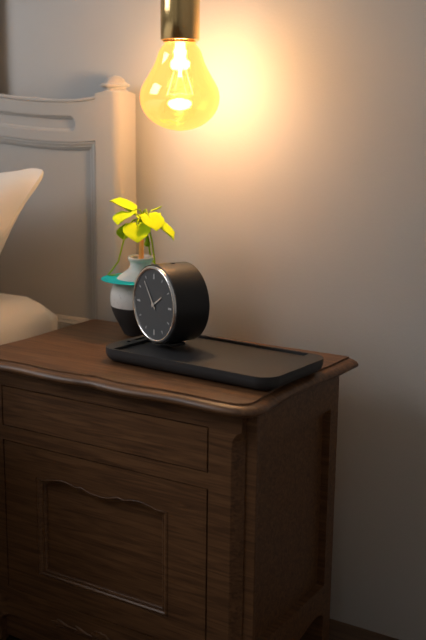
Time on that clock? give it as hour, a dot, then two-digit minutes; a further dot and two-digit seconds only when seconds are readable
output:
1.54
